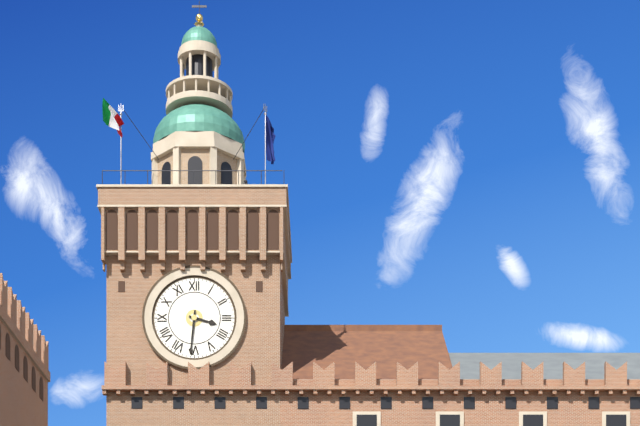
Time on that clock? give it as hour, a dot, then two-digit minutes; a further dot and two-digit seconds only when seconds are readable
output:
3.31
